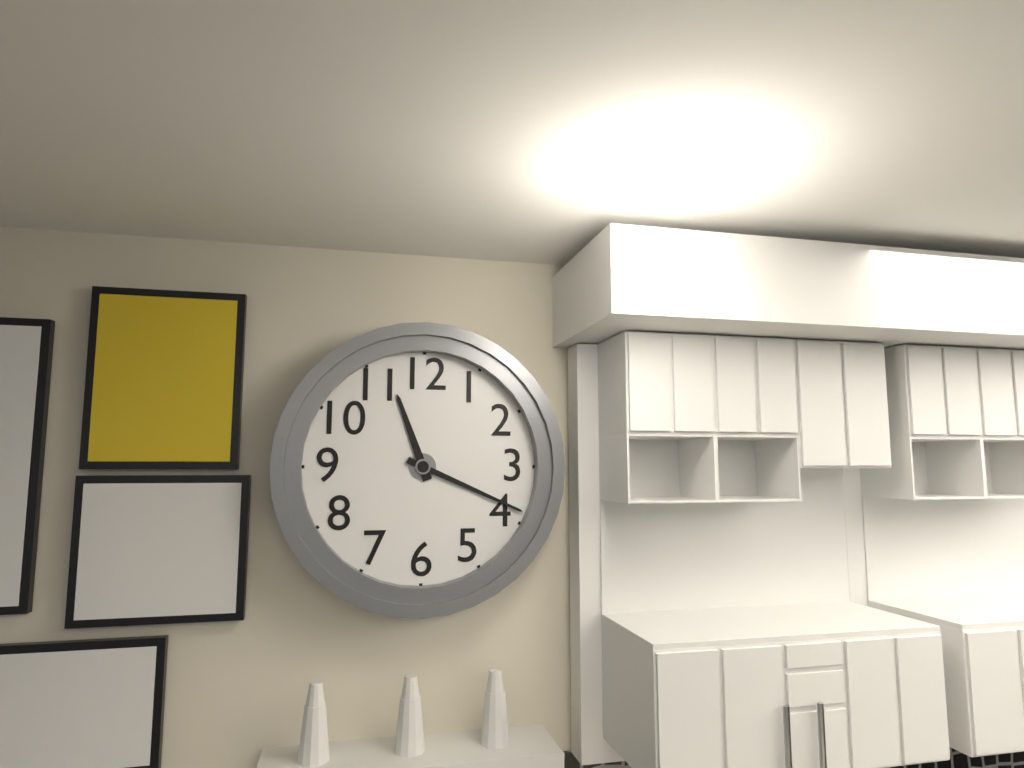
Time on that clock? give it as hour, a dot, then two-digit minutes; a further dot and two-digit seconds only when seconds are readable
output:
11.19
